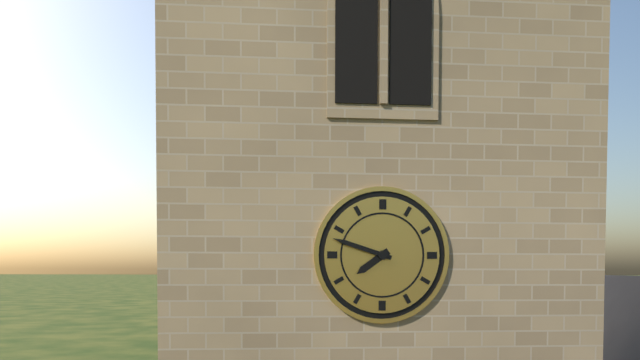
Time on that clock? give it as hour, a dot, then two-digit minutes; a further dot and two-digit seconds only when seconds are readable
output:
7.48
